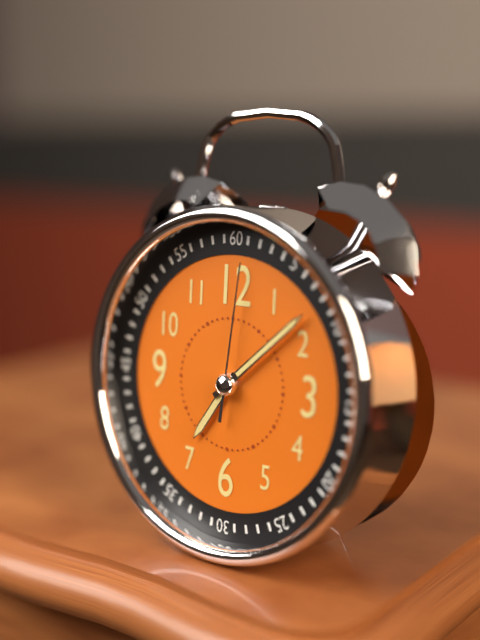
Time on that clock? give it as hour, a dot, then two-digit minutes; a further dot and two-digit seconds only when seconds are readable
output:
7.08.01
